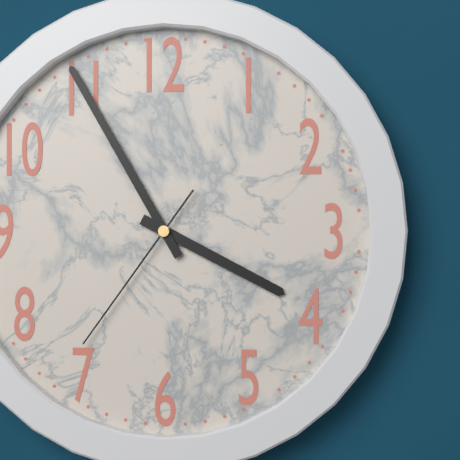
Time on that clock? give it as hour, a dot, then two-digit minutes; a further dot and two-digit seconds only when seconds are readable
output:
3.55.36
